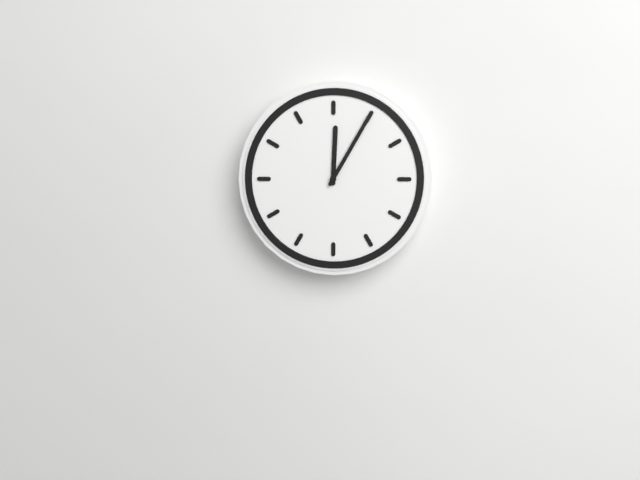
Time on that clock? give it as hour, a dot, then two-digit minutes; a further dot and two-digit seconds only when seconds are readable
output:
12.05
